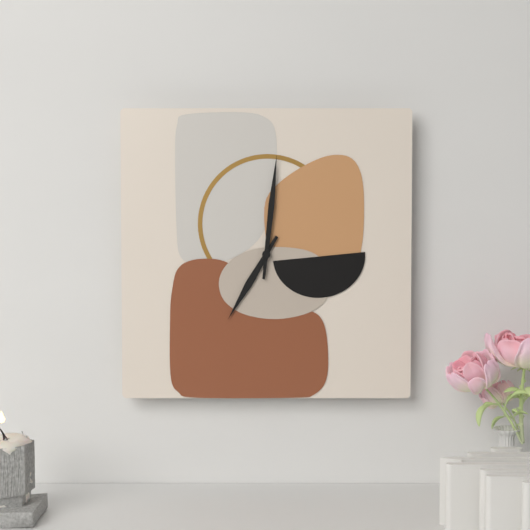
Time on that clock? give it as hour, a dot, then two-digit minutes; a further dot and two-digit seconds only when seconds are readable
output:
7.01
